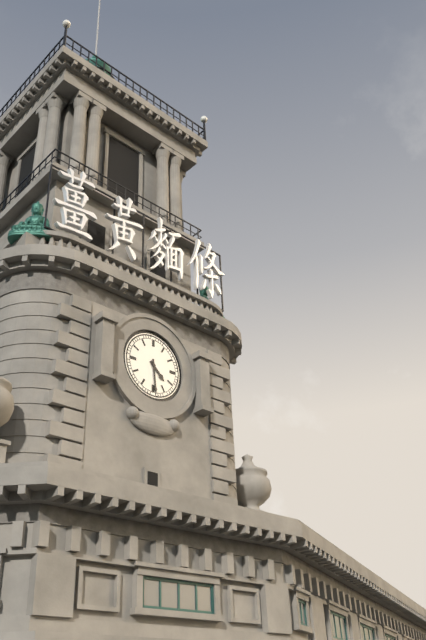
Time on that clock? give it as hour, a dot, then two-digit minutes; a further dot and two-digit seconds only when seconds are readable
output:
4.29
